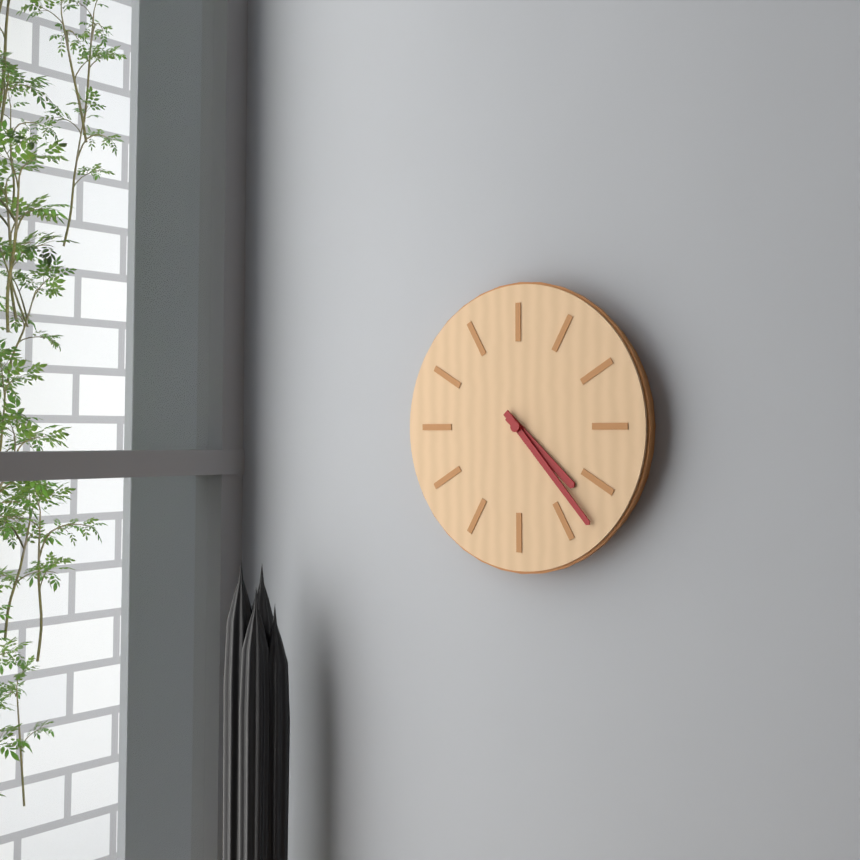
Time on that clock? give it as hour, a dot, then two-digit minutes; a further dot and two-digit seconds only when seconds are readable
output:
4.23
